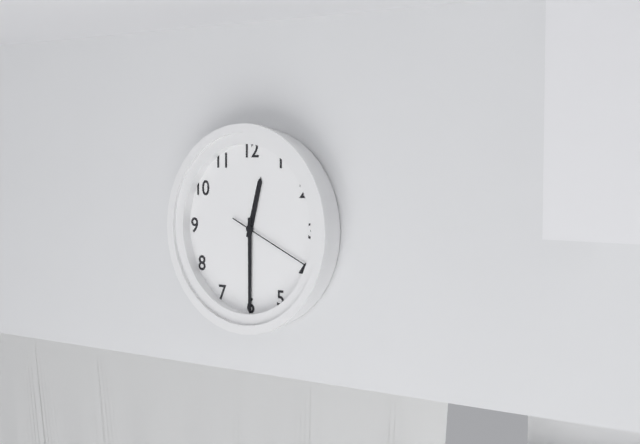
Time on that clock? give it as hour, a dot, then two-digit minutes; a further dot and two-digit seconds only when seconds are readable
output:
12.30.19
